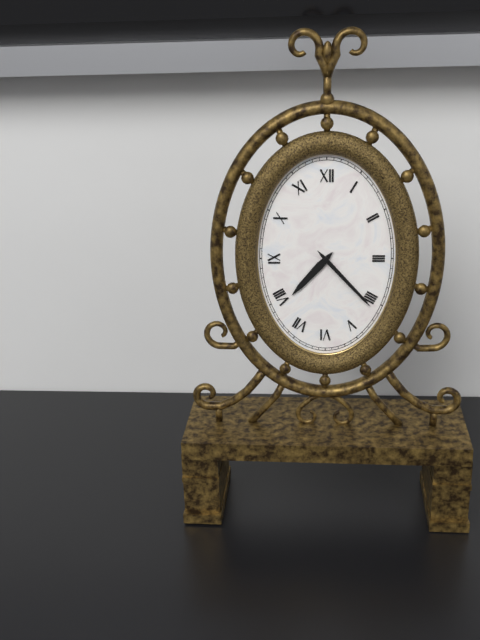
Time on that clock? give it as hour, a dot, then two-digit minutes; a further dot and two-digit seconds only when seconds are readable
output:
7.23
